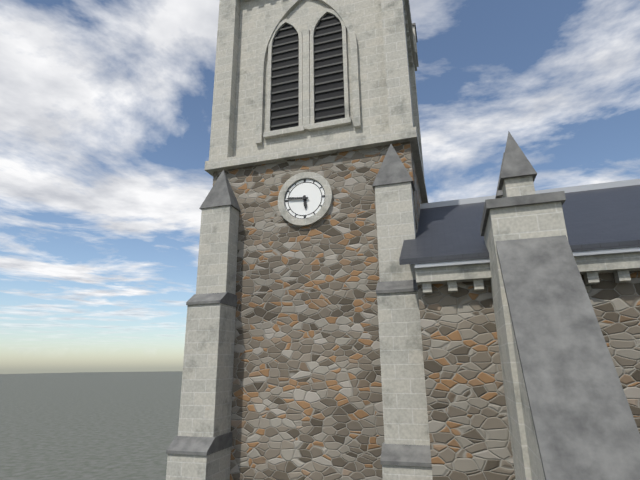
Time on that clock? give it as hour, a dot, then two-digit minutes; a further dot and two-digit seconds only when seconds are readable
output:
5.46
